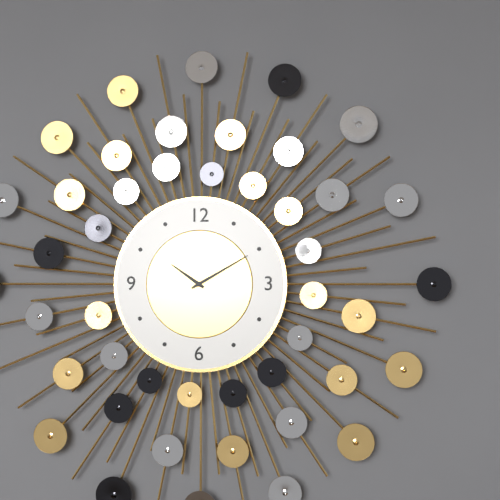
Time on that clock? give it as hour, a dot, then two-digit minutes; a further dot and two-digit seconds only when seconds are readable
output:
10.10
